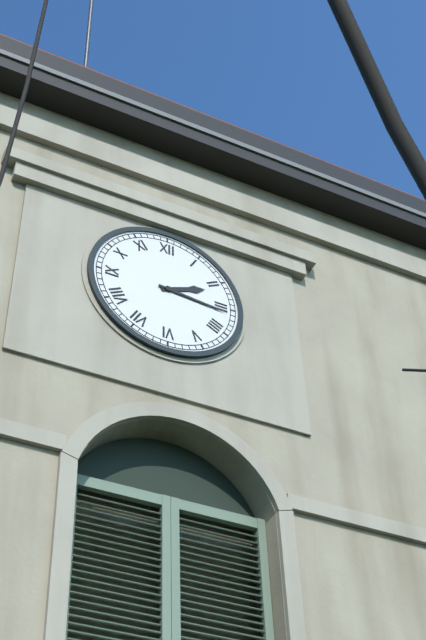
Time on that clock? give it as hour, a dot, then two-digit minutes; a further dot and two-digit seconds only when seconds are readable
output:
2.16
